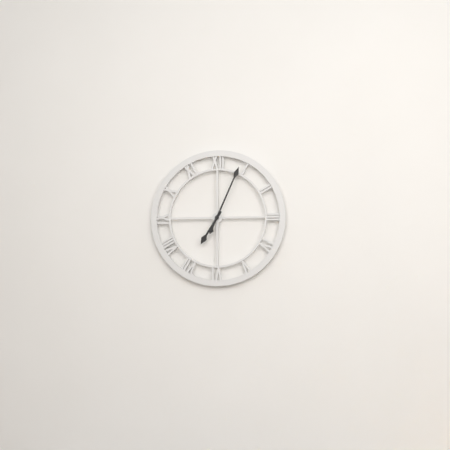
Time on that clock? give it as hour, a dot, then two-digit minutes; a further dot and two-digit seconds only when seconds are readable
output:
7.04
